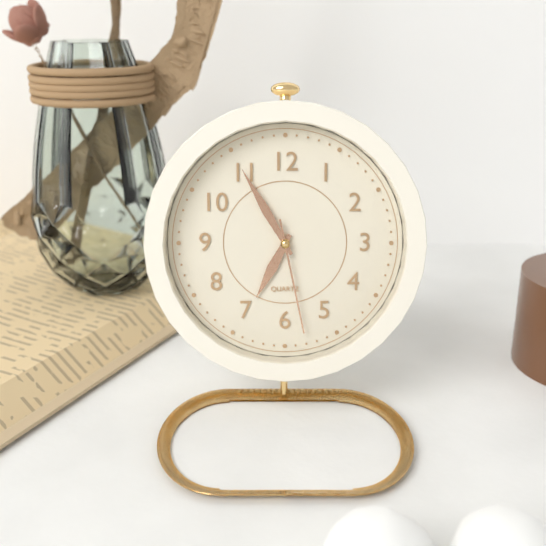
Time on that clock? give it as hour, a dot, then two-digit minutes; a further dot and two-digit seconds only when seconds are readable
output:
6.55.28
